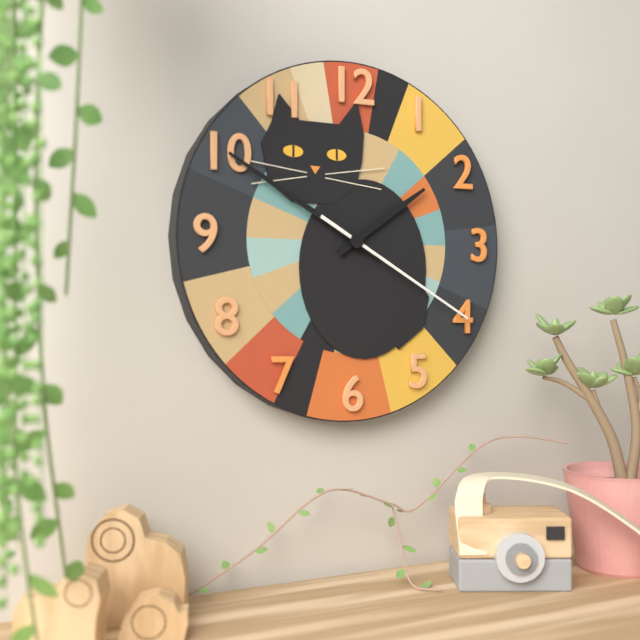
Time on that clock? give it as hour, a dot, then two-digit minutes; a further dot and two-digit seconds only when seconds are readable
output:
1.50.20
